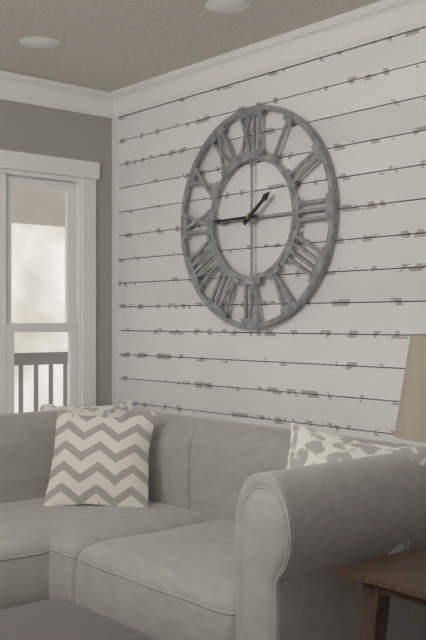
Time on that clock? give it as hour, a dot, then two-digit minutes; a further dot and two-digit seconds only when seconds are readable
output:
1.45
